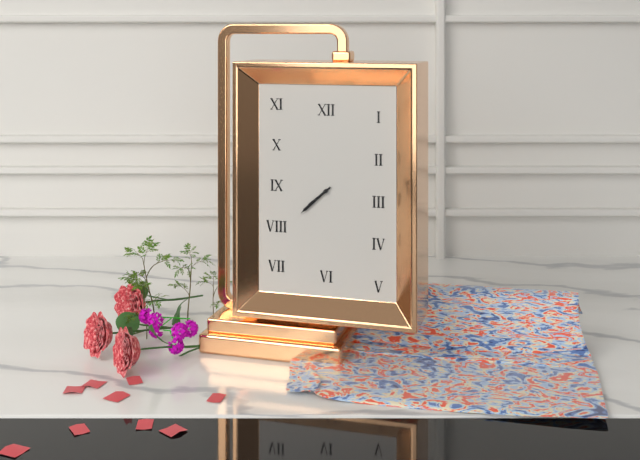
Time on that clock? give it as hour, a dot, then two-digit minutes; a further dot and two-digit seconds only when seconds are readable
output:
7.38
